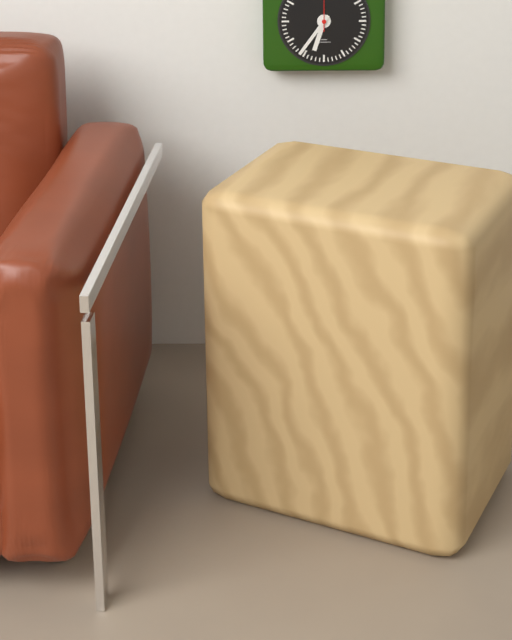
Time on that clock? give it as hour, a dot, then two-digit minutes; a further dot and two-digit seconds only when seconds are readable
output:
6.36
